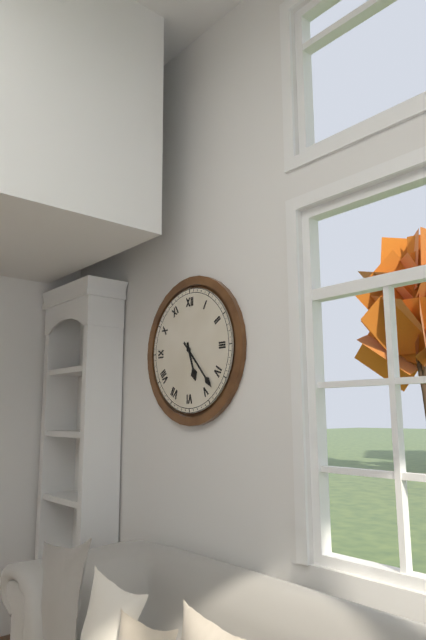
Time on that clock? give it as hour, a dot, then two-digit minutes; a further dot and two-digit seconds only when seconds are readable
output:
5.23
